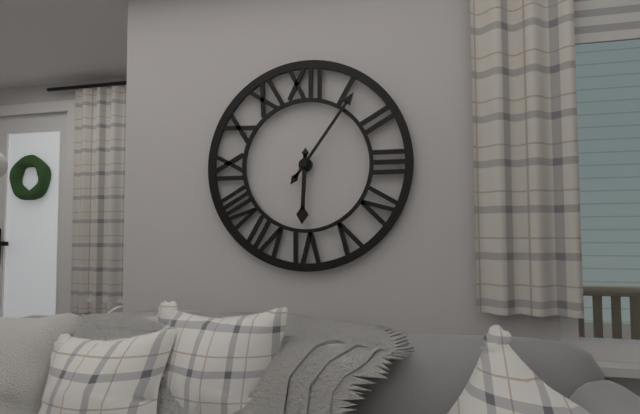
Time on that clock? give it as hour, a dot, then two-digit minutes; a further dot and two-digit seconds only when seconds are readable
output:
6.06
